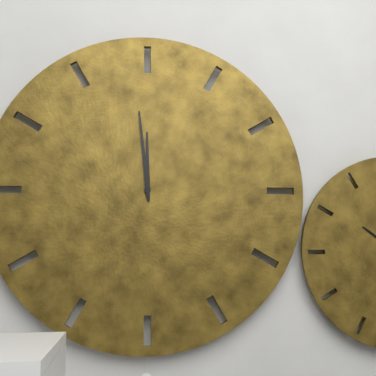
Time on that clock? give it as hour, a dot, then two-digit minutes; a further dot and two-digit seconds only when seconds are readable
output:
11.59
